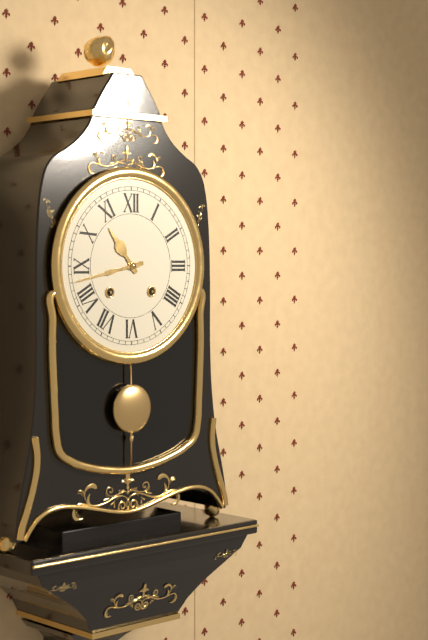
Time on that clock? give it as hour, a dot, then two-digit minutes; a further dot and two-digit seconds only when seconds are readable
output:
10.43
